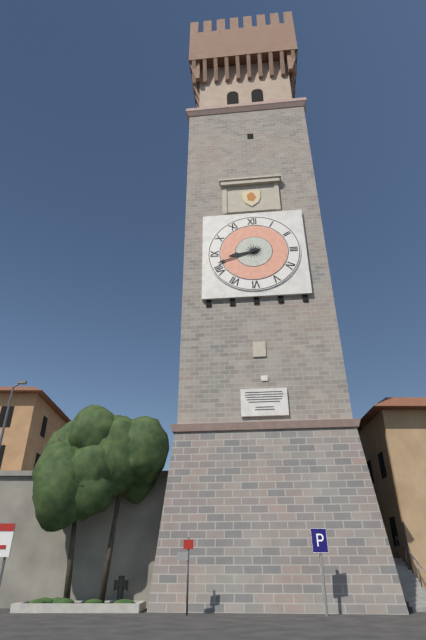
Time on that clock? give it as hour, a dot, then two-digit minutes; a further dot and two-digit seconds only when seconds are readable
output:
8.42
